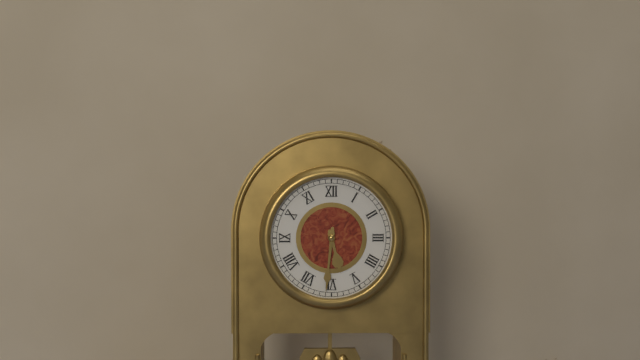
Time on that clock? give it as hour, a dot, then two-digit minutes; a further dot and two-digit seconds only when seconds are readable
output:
5.31
